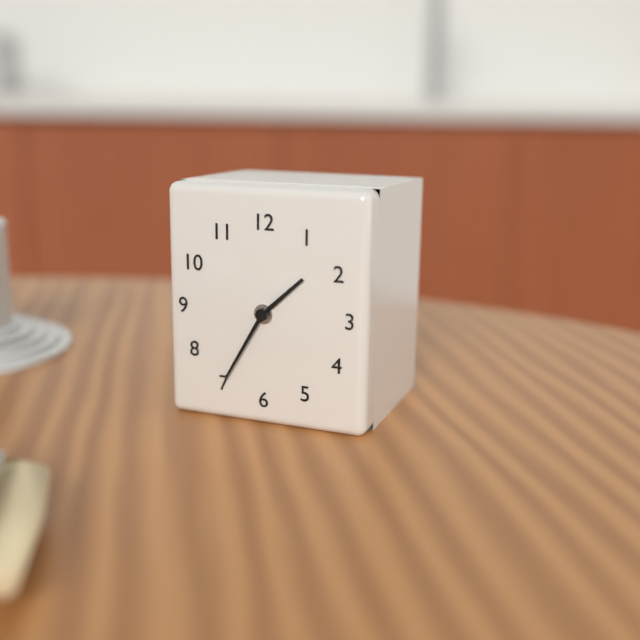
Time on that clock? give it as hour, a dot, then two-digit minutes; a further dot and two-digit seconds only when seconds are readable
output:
1.35
